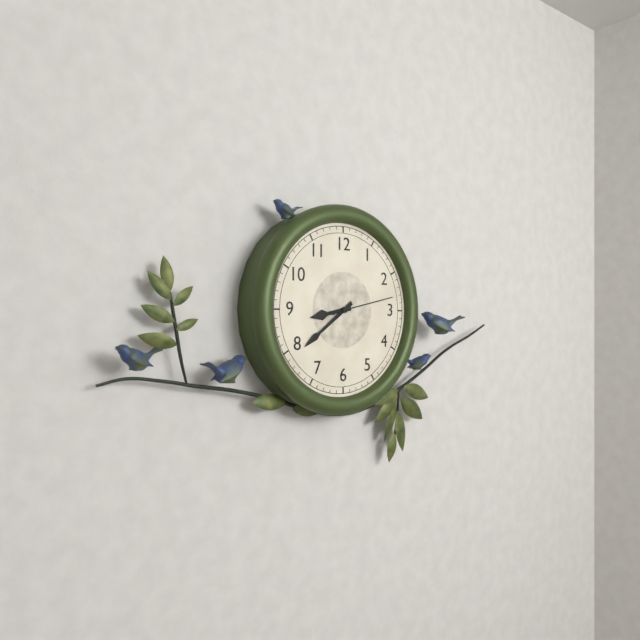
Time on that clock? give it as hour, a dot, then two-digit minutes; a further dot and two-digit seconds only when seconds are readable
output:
8.39.13
